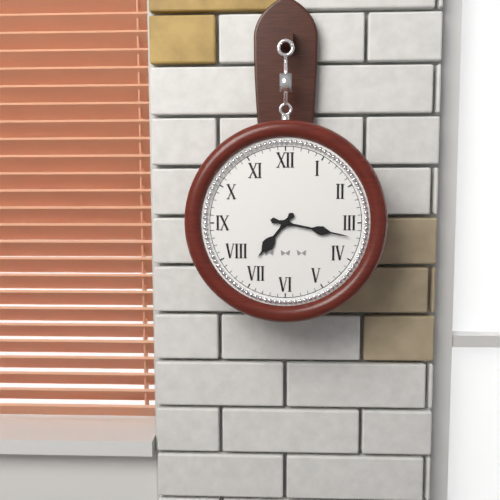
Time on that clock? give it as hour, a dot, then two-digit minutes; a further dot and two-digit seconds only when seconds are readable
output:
7.17
